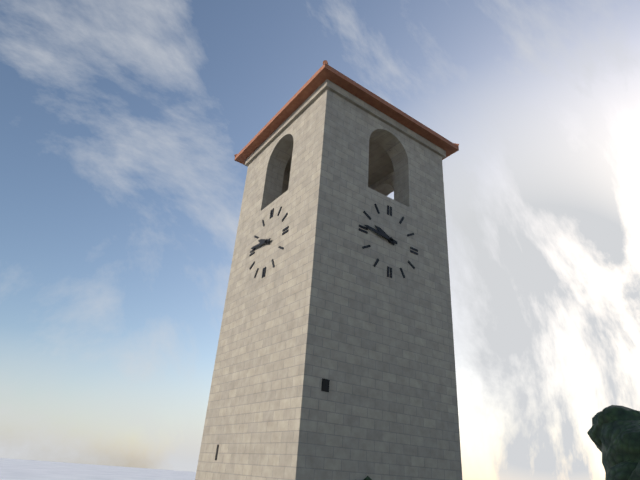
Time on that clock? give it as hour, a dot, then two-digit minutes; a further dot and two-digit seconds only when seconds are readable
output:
9.46
